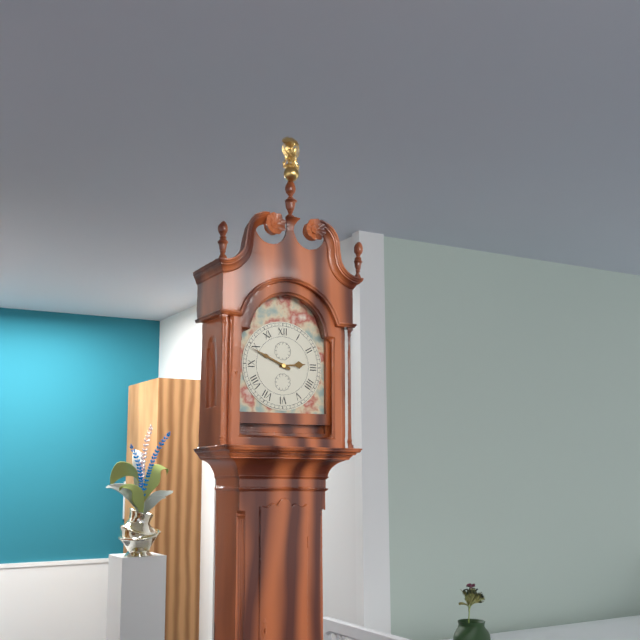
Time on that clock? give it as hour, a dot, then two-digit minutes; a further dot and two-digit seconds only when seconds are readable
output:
2.49
